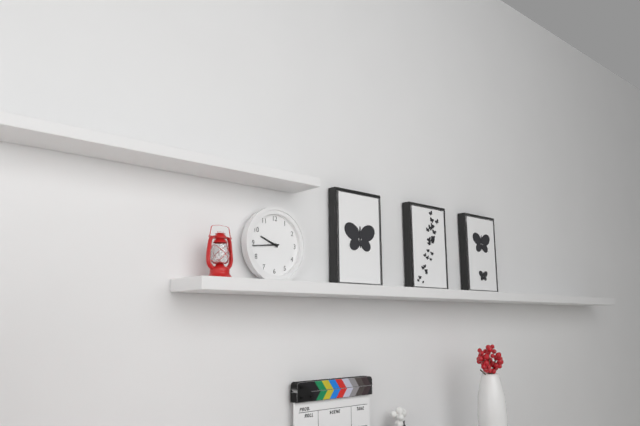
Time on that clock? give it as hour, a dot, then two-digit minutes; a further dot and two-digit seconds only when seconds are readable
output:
9.44
